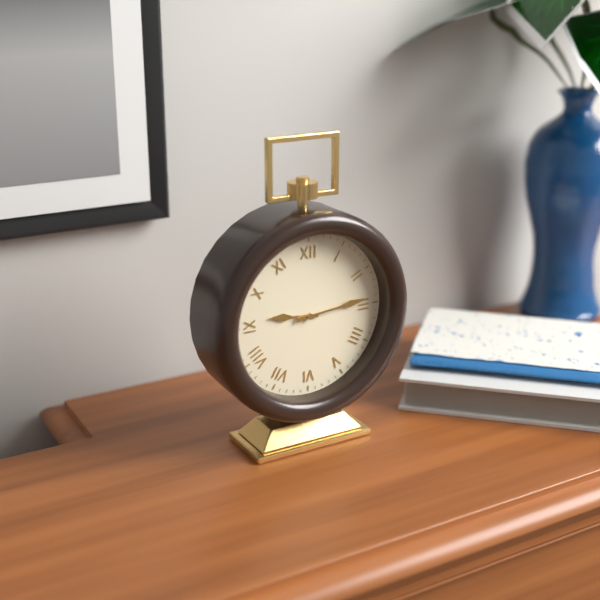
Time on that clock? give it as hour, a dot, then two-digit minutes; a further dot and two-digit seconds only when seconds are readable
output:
9.14
